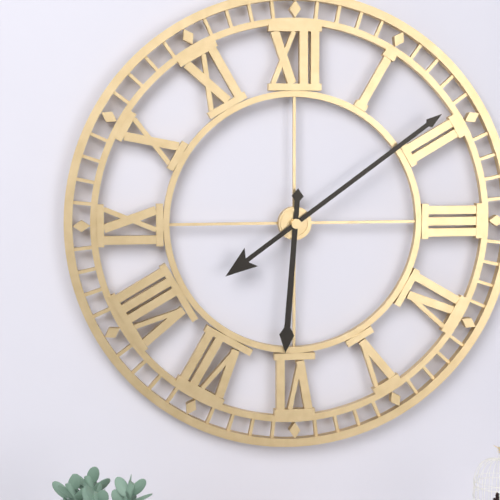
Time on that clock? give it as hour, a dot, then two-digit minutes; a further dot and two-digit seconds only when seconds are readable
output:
6.09
